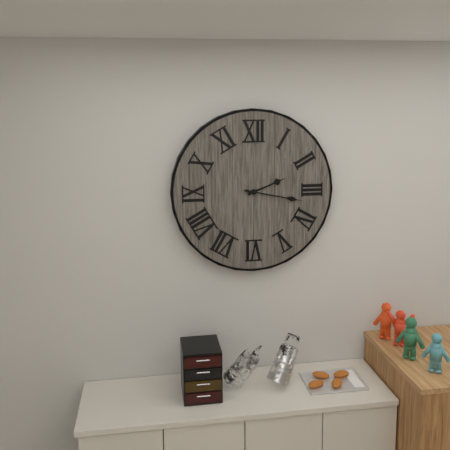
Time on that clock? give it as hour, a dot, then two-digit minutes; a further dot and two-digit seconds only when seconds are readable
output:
2.17
